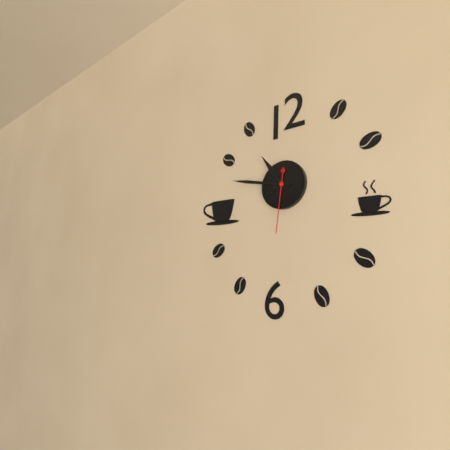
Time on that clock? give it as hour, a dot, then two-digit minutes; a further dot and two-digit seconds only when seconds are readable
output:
10.47.31
